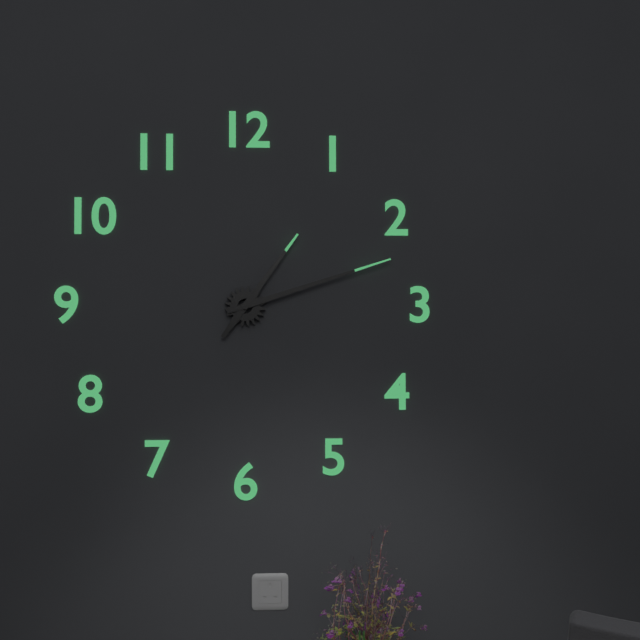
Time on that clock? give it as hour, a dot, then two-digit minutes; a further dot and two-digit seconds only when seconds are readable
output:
1.12
